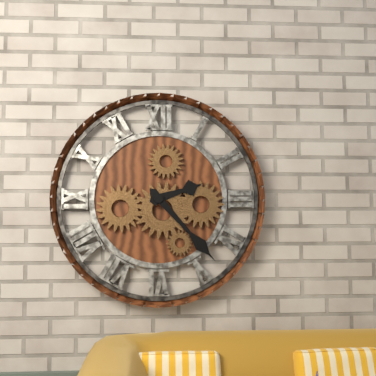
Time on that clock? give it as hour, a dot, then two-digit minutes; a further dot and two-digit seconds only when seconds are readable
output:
2.23
